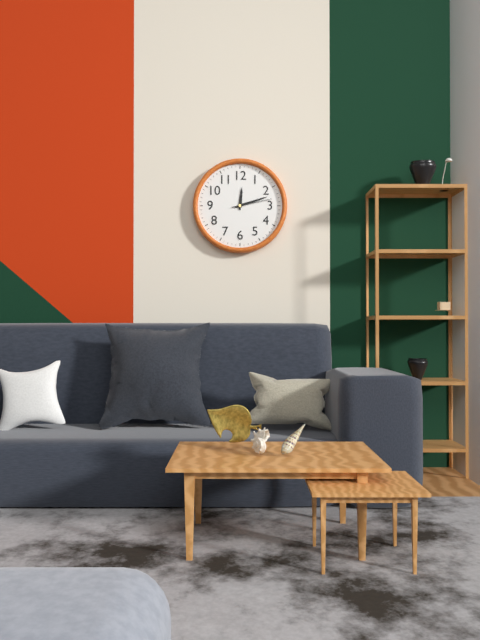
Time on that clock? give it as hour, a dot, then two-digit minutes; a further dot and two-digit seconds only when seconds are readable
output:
12.12
